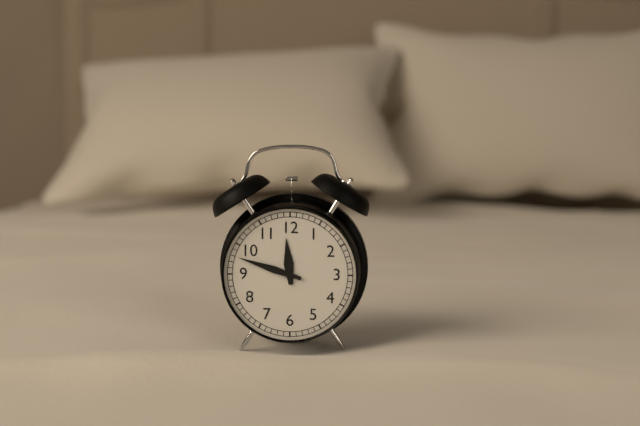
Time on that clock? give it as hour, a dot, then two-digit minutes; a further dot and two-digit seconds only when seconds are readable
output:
11.48
